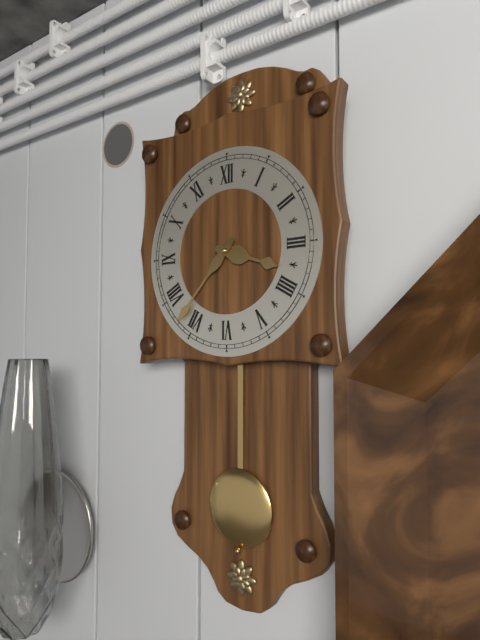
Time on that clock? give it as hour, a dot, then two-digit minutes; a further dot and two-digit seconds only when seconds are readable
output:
3.37
